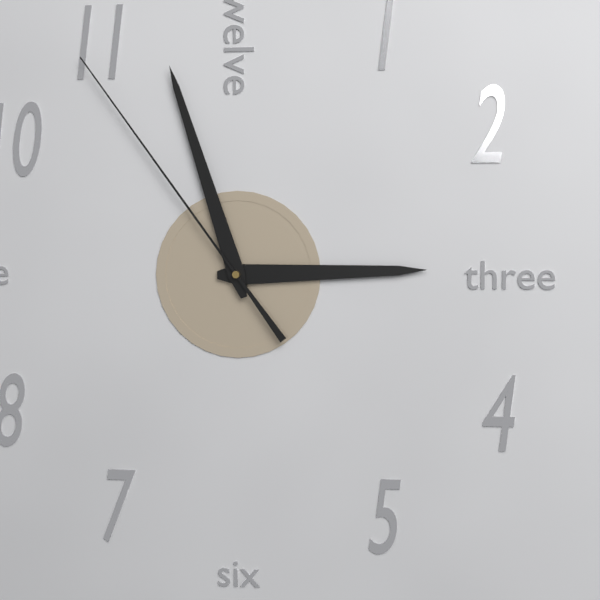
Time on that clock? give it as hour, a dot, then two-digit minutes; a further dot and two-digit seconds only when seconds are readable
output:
2.57.54
